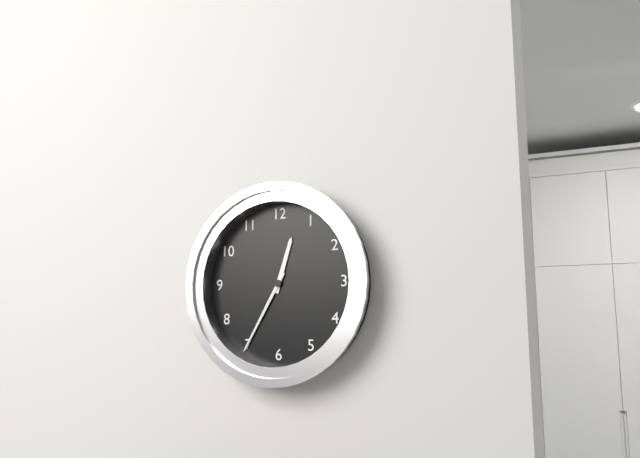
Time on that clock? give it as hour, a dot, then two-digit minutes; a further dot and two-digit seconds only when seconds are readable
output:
12.35
